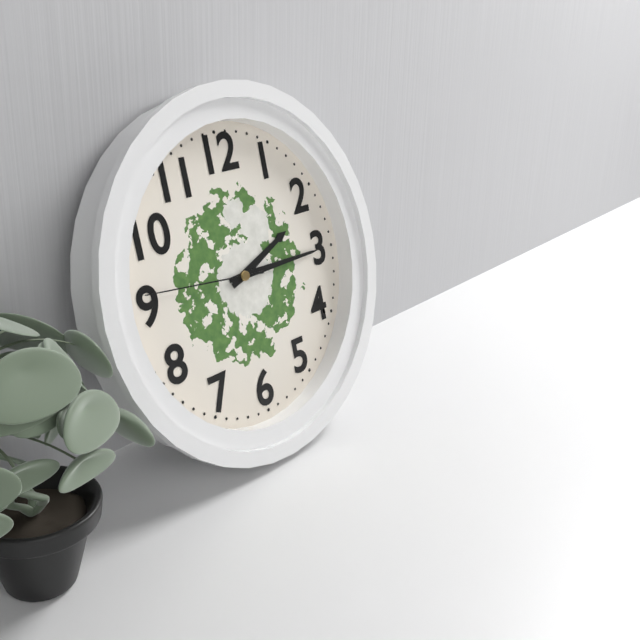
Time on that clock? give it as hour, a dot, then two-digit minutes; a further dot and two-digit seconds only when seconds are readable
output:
2.15.46
